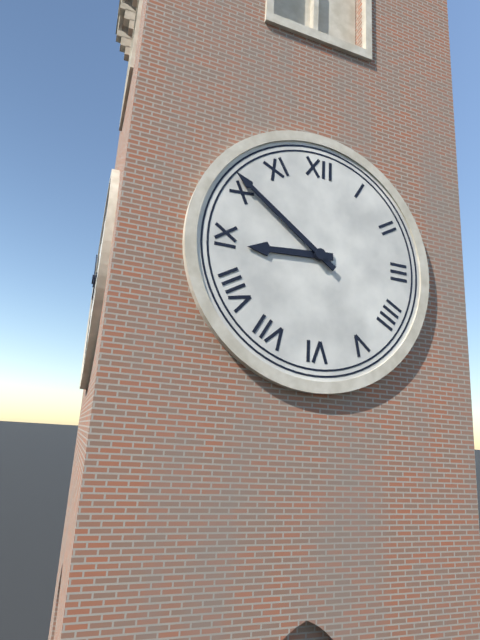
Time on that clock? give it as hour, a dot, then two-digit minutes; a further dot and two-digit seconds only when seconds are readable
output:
8.51
